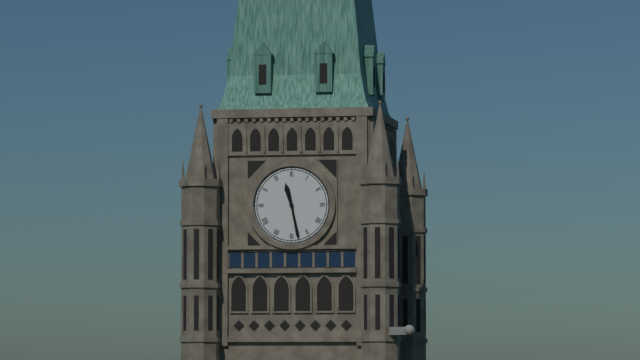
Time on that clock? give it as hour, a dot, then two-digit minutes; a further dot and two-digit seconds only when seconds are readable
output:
11.28
